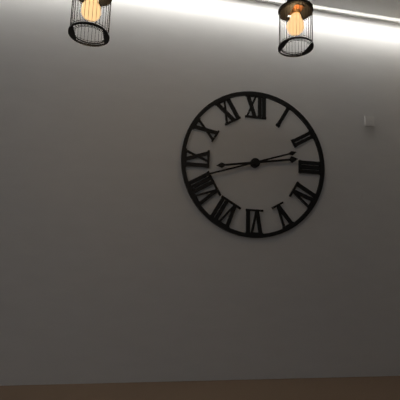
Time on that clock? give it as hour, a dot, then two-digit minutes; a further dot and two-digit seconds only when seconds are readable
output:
2.42
